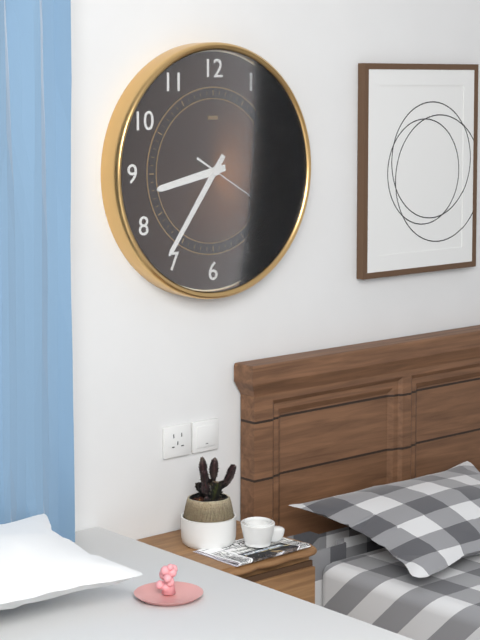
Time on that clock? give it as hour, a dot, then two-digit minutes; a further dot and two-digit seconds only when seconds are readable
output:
8.36.20
